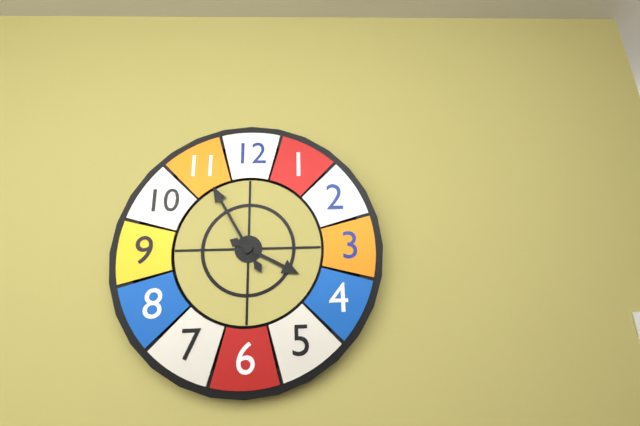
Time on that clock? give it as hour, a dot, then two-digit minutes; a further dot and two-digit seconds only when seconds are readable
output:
3.55
